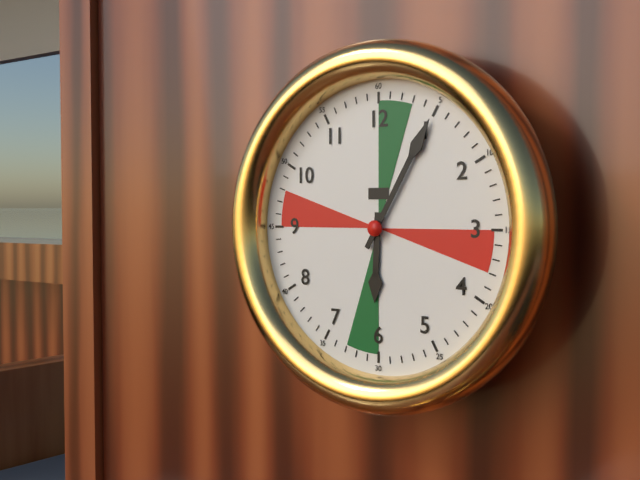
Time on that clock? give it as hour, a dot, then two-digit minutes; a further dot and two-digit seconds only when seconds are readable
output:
6.05
